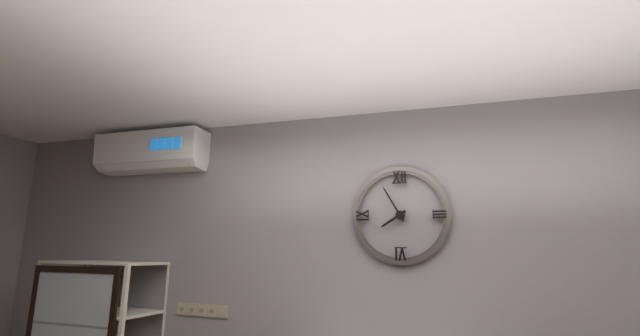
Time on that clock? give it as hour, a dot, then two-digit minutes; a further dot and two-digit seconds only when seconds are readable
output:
7.55
